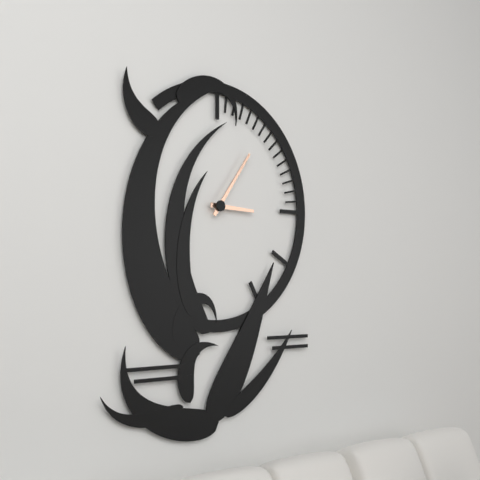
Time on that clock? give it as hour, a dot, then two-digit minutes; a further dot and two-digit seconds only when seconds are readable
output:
3.06
